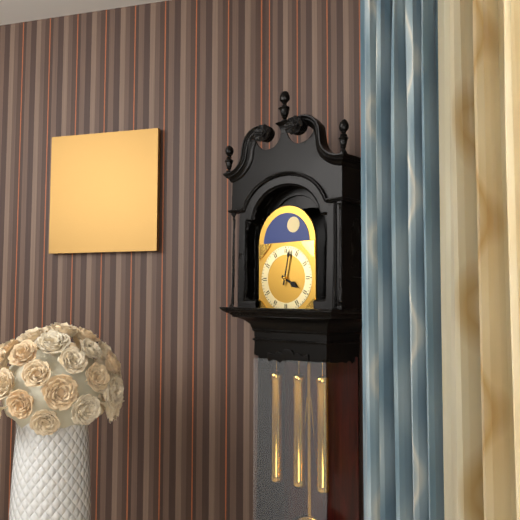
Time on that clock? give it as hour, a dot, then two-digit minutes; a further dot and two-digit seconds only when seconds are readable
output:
4.02
